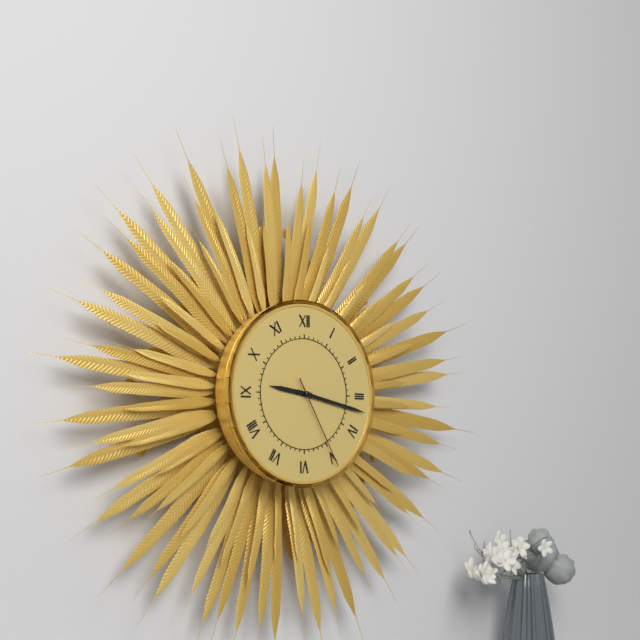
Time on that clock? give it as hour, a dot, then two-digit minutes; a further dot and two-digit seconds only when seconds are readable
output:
9.17.25
